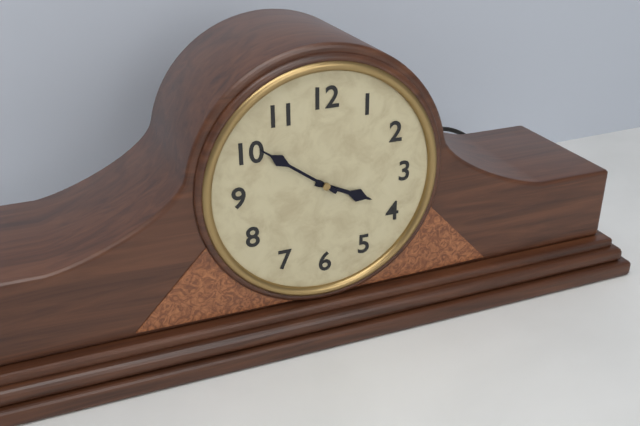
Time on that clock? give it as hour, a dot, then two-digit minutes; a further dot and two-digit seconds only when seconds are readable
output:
3.51
